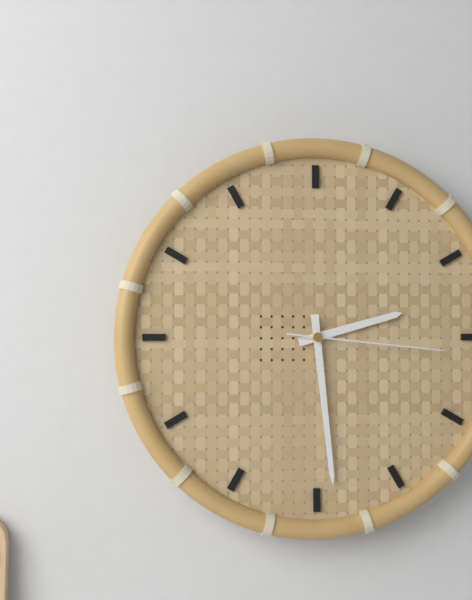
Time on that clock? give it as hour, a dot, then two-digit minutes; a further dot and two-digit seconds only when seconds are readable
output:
2.29.16
